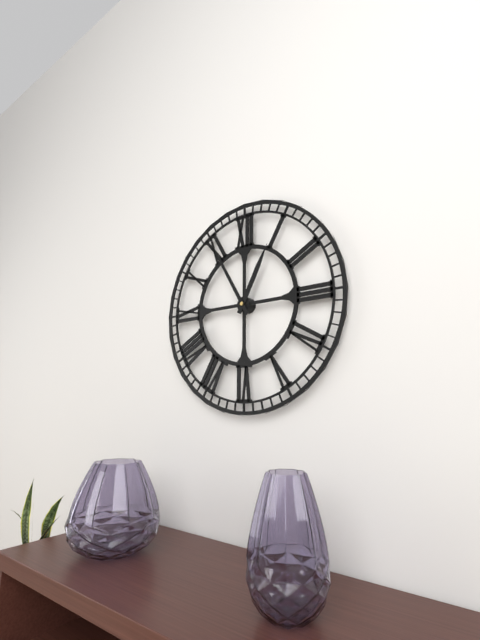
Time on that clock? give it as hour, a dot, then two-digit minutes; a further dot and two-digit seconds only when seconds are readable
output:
12.55
